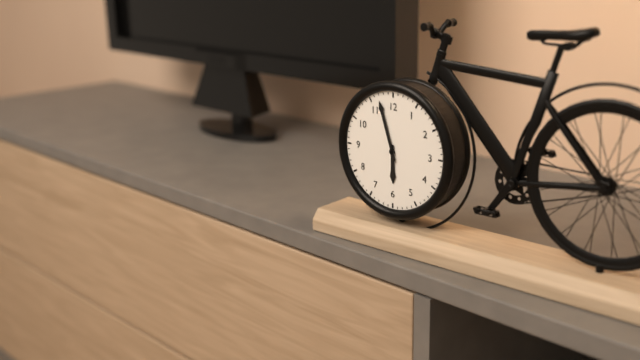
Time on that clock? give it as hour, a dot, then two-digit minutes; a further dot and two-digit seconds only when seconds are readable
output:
5.57
